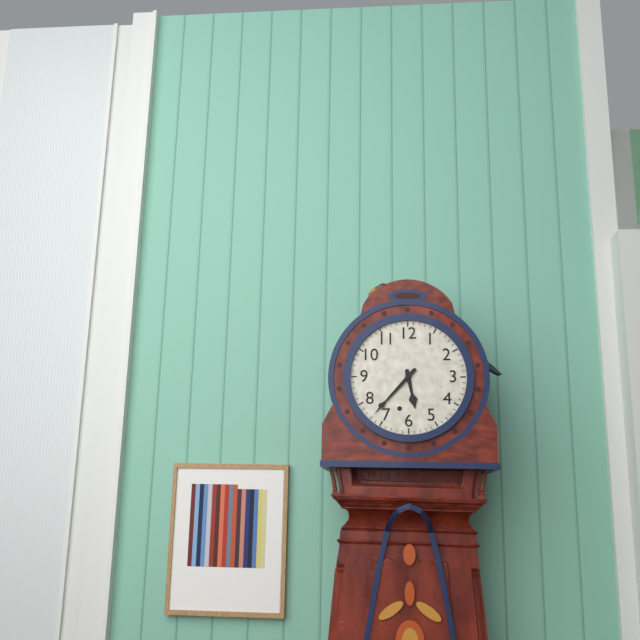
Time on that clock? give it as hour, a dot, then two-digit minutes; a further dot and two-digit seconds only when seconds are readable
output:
5.37
